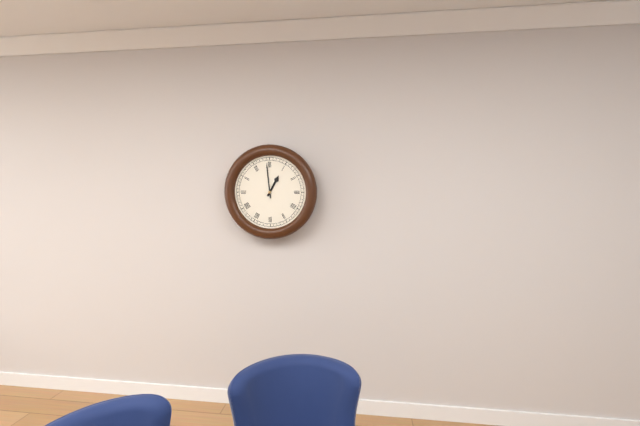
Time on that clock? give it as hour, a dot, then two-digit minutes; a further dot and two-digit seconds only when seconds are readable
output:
12.59
